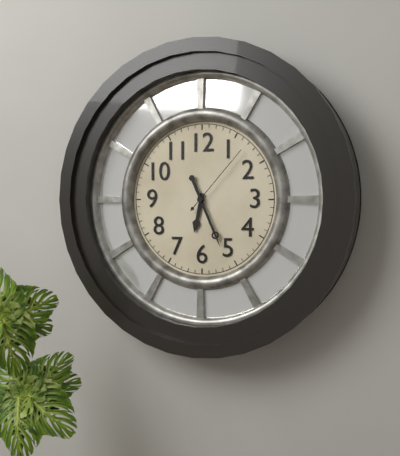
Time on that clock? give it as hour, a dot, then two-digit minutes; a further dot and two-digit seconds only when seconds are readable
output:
6.26.07
